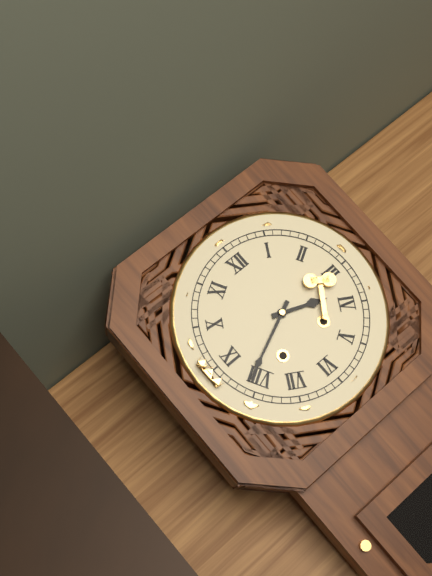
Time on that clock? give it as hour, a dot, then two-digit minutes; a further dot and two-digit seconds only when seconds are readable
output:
3.41
